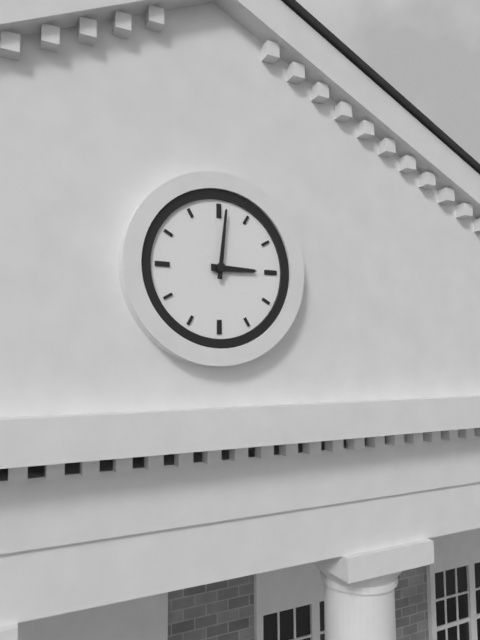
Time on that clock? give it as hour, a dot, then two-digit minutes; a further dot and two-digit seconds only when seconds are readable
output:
3.01
